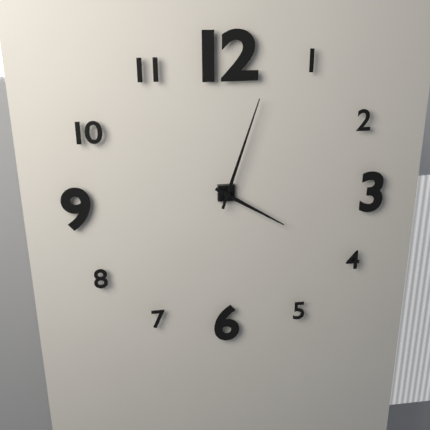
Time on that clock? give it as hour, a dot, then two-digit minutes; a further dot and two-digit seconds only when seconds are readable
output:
4.03
